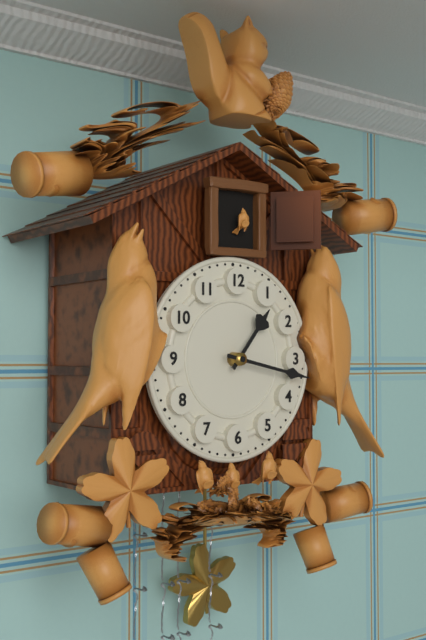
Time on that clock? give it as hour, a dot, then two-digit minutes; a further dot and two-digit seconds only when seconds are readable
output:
1.17
